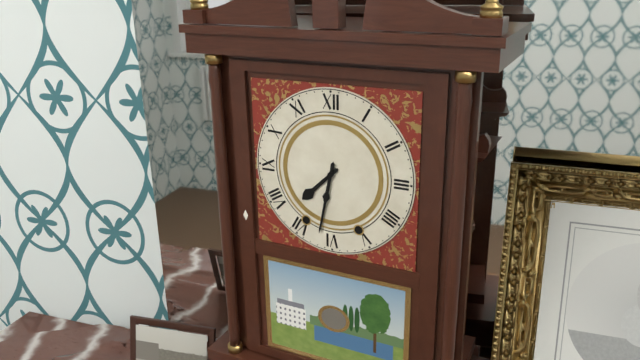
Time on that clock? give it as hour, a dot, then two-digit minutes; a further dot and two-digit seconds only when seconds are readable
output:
7.32
